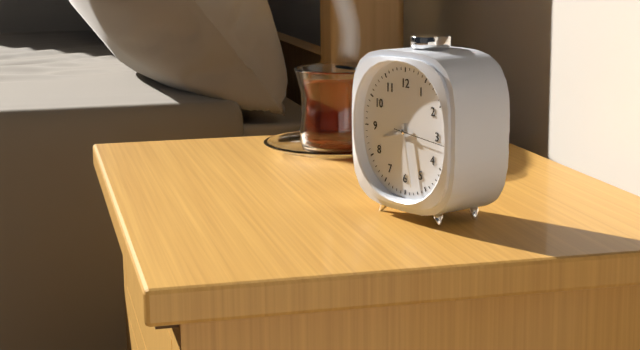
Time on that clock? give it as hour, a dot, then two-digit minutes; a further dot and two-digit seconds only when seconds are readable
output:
8.28.16
